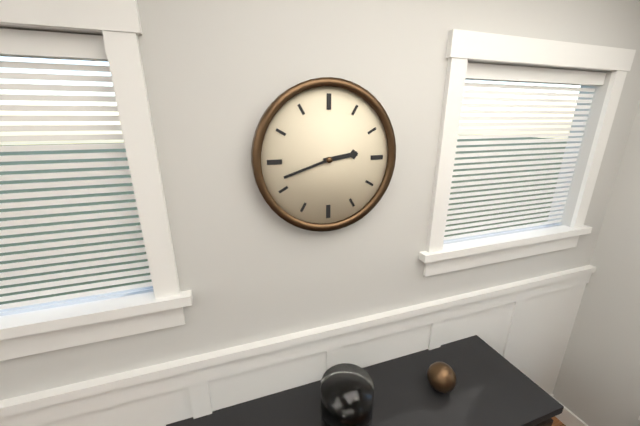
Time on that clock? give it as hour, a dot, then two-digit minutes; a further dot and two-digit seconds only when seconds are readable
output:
2.42
